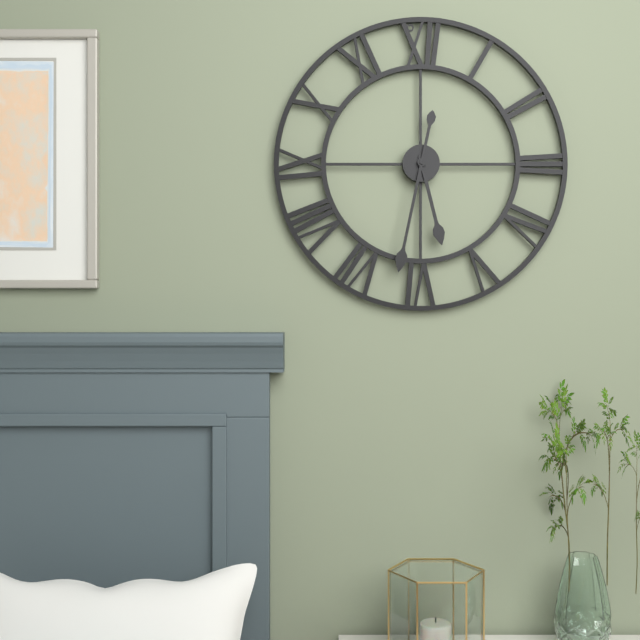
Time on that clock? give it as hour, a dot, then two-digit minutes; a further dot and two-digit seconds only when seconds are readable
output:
5.32
